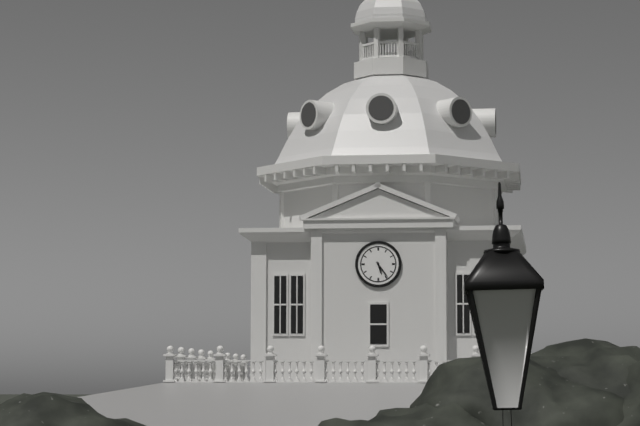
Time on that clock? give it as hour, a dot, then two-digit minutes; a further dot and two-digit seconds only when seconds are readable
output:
5.24
